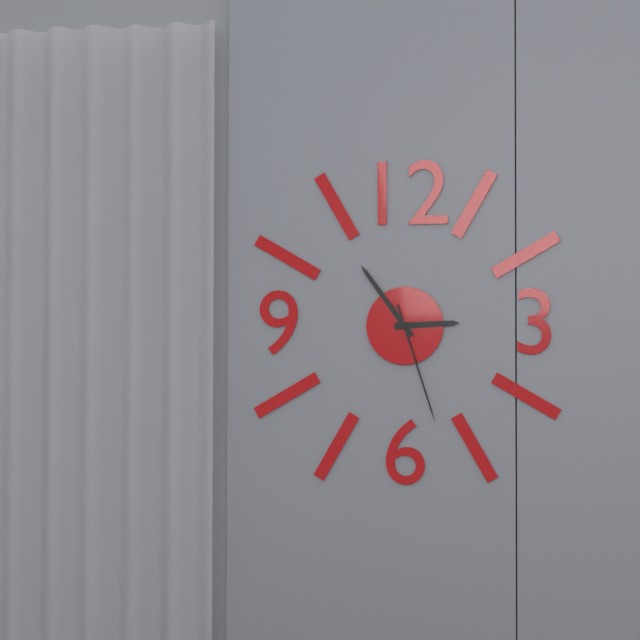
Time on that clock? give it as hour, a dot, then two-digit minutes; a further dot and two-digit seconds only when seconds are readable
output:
2.54.27
